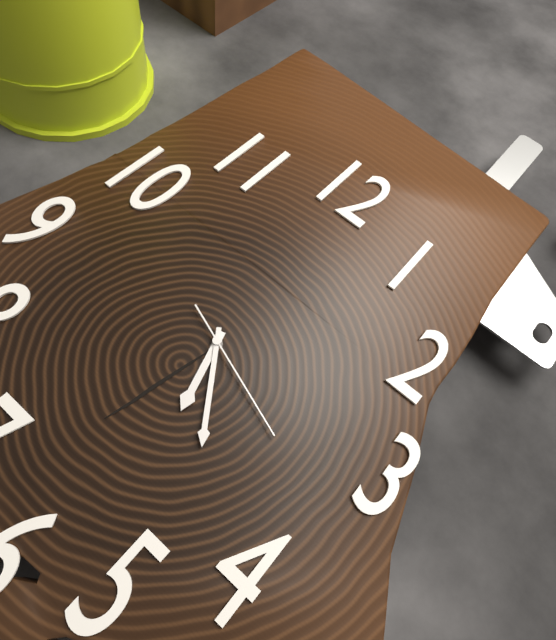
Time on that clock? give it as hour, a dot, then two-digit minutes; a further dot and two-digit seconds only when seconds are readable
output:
5.24.18
